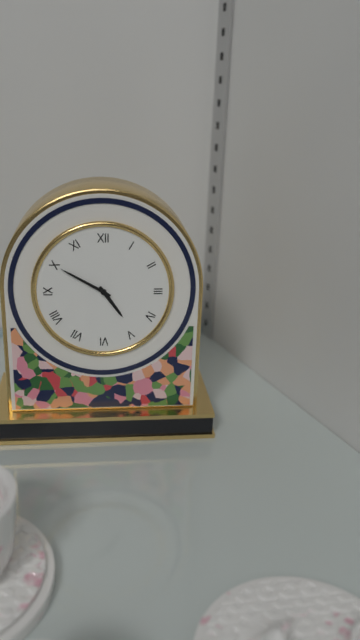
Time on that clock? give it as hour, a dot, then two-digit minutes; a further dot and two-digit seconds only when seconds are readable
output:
4.50
